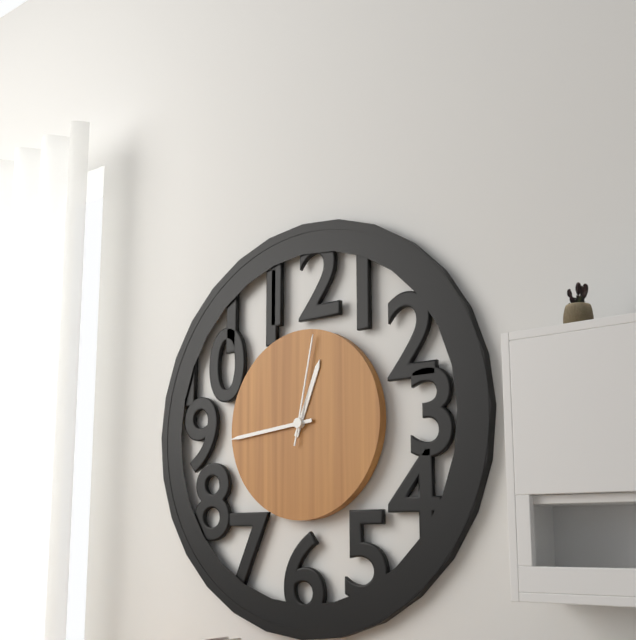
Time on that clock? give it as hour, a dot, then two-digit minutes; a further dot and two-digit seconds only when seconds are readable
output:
12.44.02
